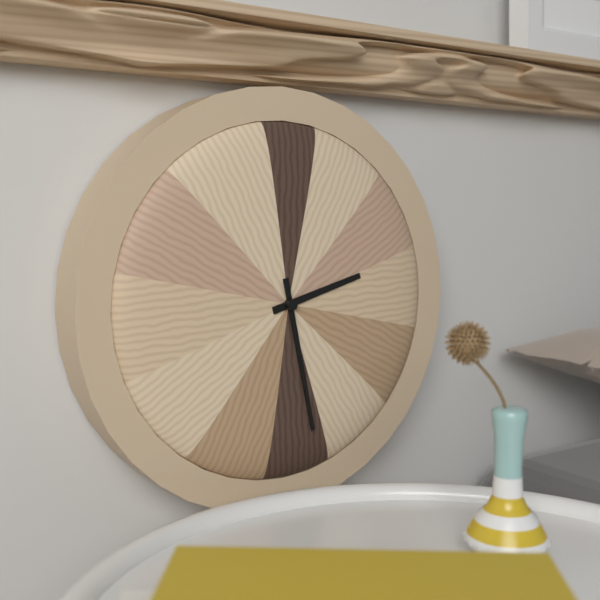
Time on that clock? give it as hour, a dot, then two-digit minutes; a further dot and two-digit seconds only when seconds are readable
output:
2.28
